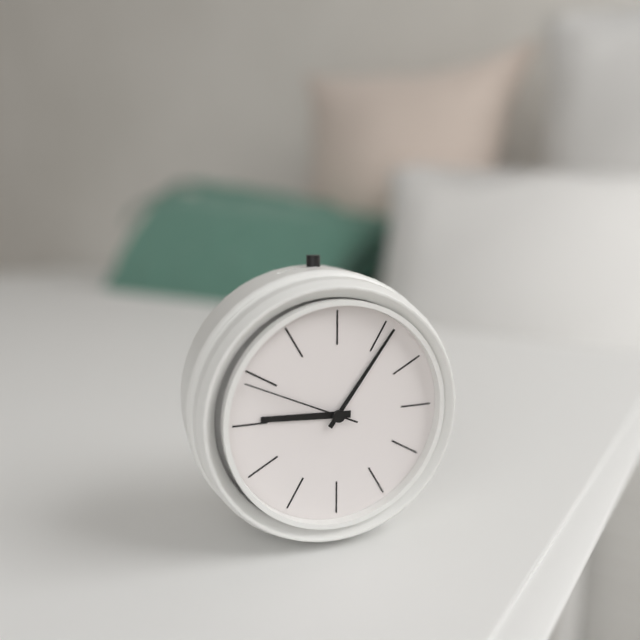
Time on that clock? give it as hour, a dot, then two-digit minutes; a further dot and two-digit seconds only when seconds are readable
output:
9.06.49
